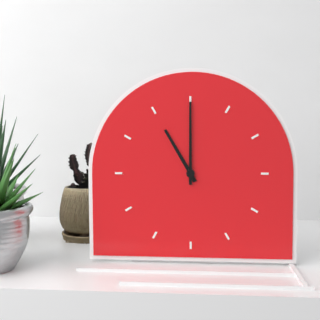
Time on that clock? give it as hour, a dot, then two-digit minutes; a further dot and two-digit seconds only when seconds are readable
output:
11.00
